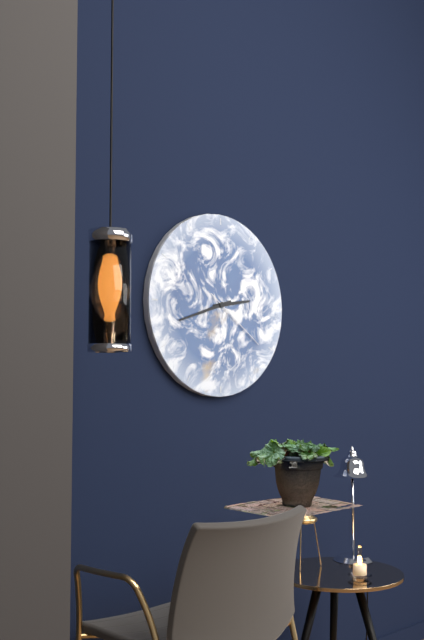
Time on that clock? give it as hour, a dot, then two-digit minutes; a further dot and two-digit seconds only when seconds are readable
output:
2.42.21
